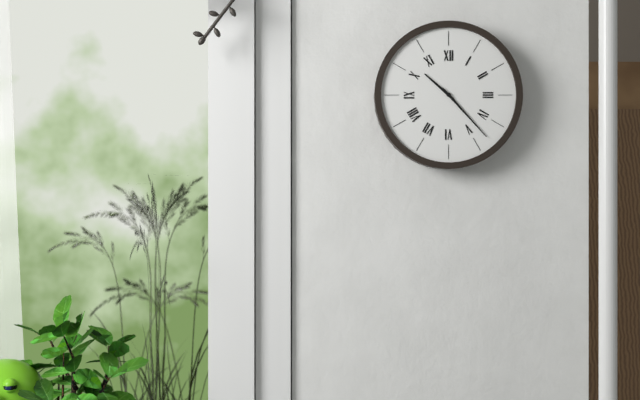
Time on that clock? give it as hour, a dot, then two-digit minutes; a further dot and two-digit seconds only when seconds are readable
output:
10.23
